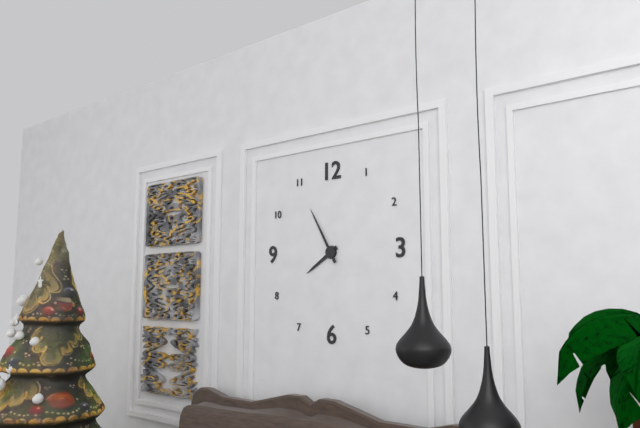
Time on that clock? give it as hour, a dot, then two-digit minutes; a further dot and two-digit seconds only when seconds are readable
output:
7.55
